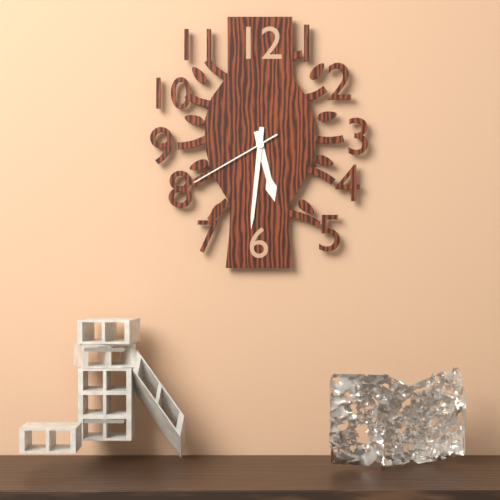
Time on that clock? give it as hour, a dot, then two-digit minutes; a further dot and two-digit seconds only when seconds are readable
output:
5.31.40
